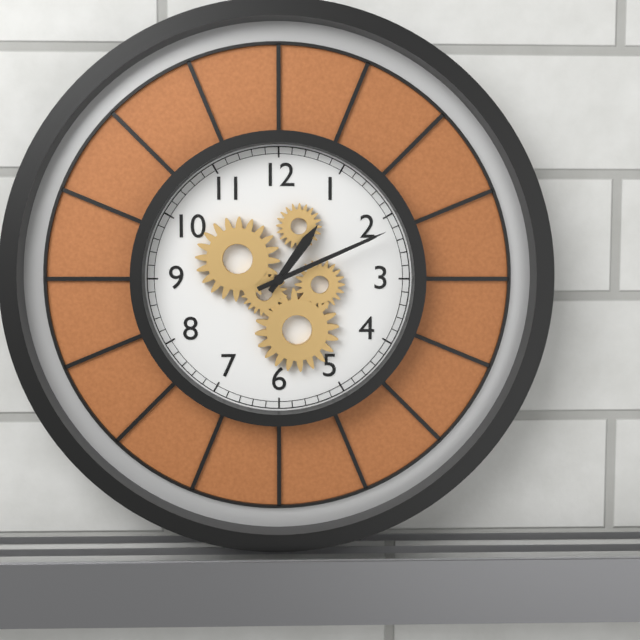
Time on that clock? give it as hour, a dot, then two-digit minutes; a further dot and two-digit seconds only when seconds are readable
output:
1.11
